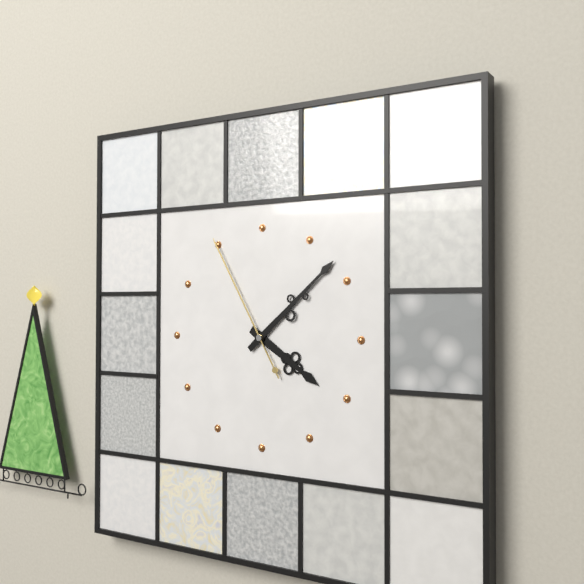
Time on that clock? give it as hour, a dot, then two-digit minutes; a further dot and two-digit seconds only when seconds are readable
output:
4.08.55
